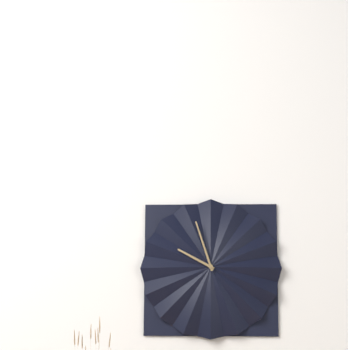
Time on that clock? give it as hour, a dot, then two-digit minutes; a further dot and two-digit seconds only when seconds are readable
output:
9.57
